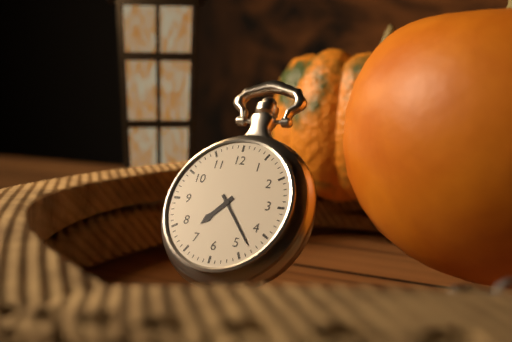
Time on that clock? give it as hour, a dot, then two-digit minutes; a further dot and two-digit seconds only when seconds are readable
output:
7.23
